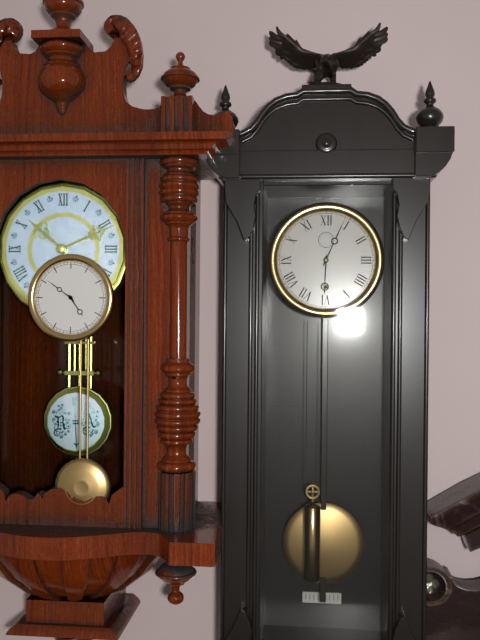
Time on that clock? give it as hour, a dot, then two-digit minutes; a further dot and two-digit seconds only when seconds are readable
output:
6.04
